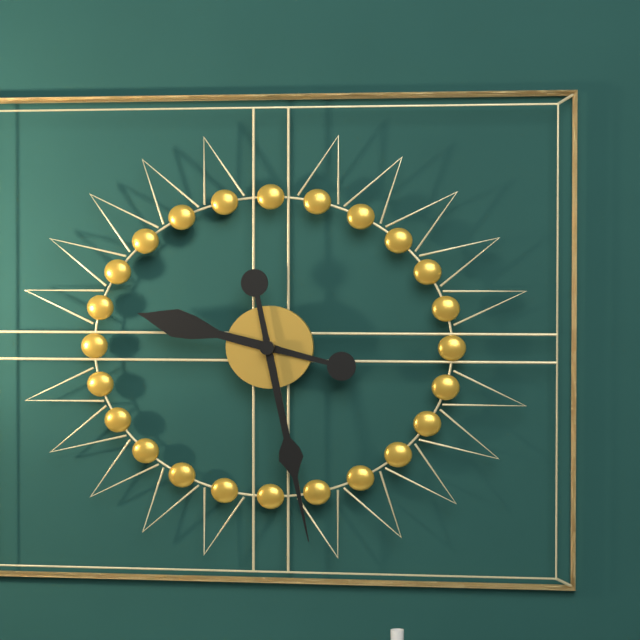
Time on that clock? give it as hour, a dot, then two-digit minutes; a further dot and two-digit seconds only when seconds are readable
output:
9.28
